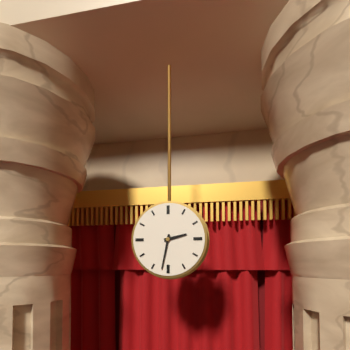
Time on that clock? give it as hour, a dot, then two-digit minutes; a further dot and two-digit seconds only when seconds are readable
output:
2.32
